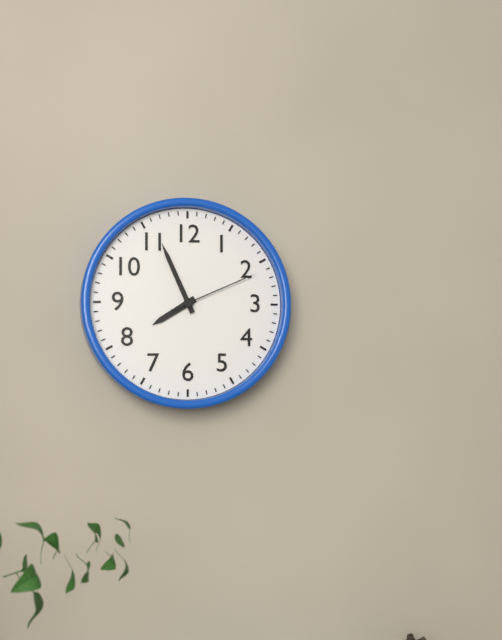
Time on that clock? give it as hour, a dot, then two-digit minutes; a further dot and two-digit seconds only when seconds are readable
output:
7.56.11
